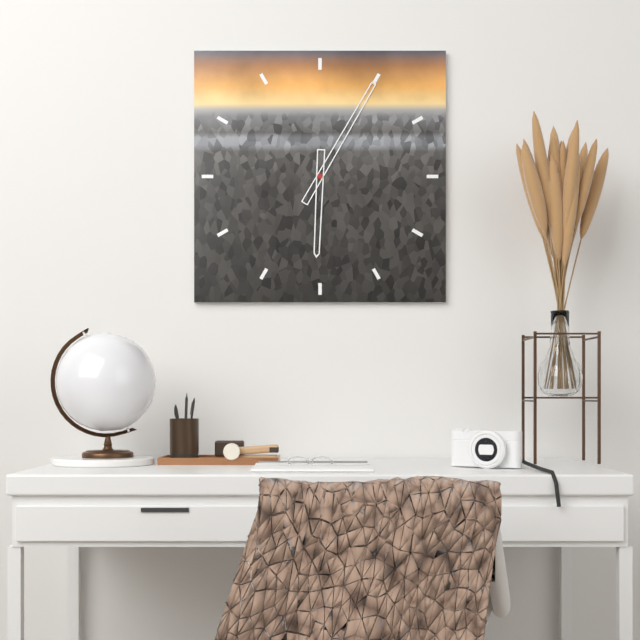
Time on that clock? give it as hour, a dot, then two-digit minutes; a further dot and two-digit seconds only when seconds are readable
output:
6.05
